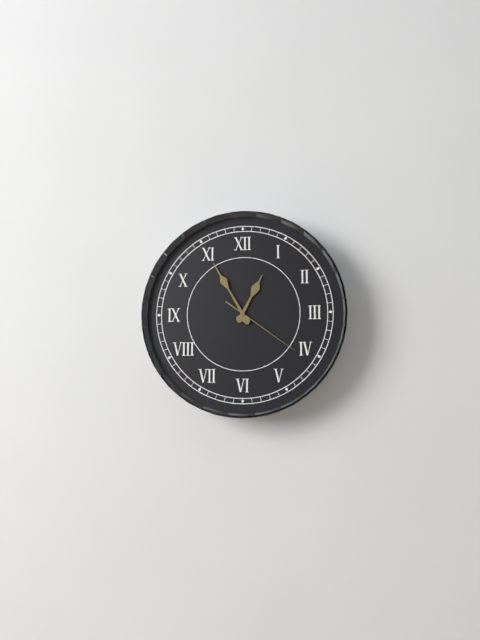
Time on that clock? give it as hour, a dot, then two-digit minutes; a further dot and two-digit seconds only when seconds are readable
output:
12.55.21
